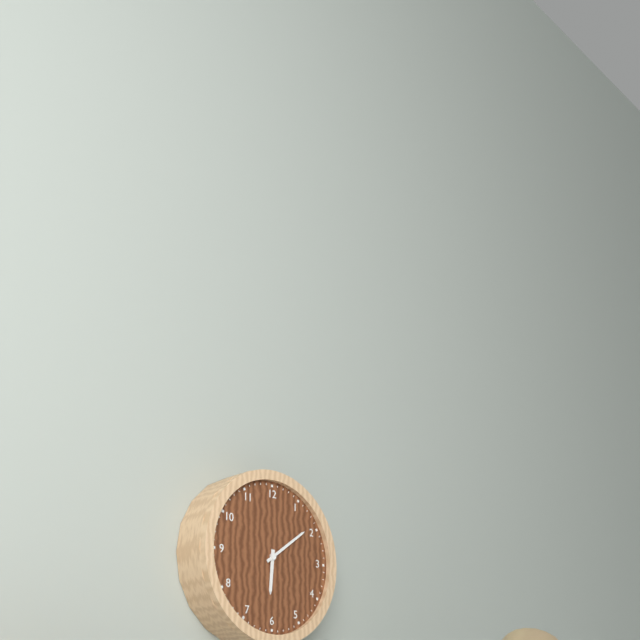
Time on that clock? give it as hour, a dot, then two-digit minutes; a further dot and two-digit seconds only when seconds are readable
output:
6.09
